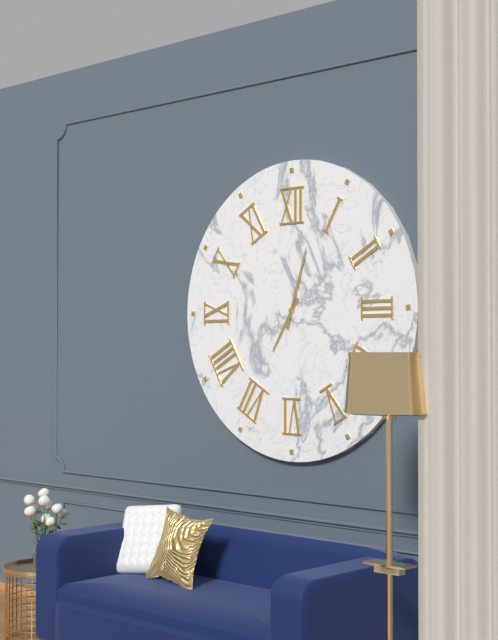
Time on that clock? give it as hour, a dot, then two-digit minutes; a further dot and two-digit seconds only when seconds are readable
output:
7.03
